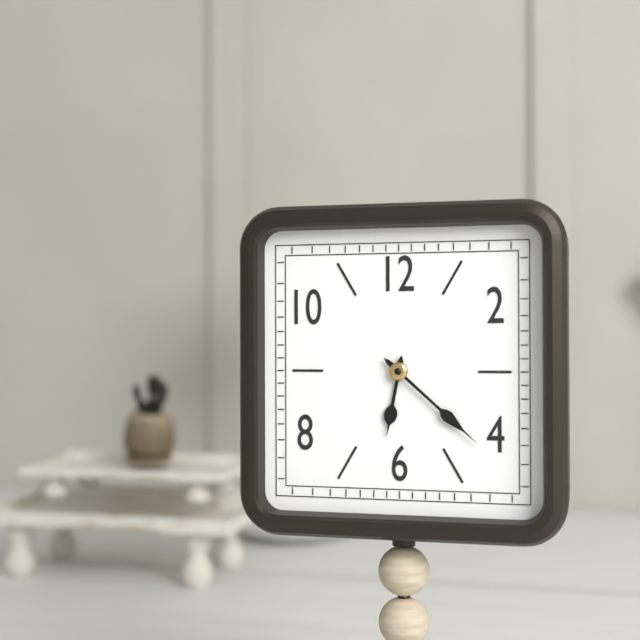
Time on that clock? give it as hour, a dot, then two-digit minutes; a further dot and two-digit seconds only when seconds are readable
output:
6.22
